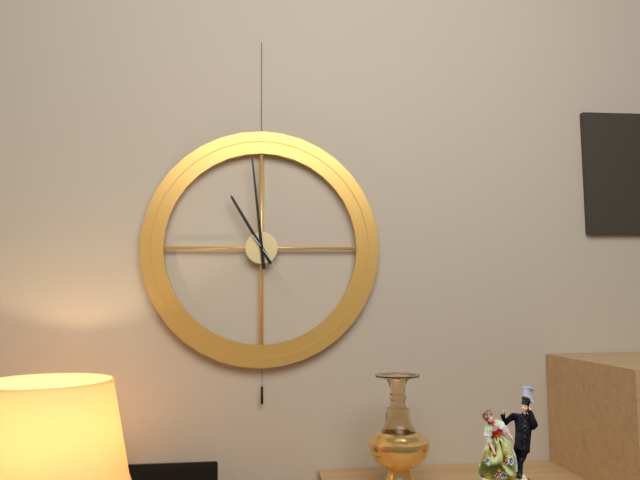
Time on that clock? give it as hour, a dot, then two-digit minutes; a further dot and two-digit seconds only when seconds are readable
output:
10.59.24
